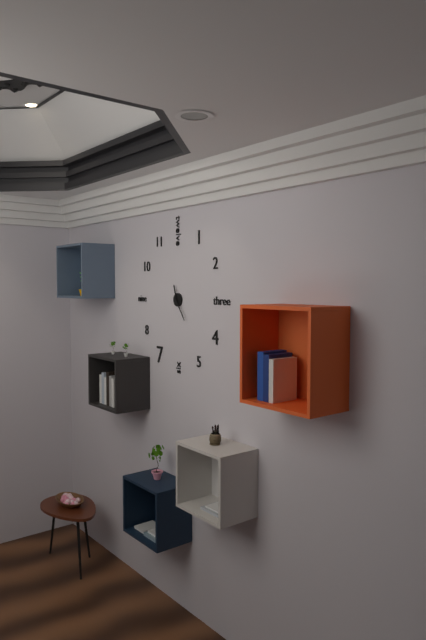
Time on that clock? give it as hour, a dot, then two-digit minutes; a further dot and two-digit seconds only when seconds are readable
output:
11.24
